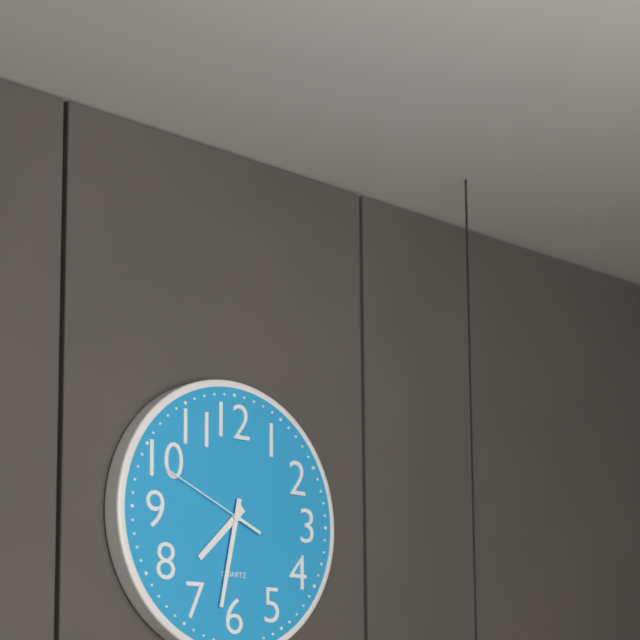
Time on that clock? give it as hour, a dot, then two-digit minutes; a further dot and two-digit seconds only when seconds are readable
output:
7.32.49
